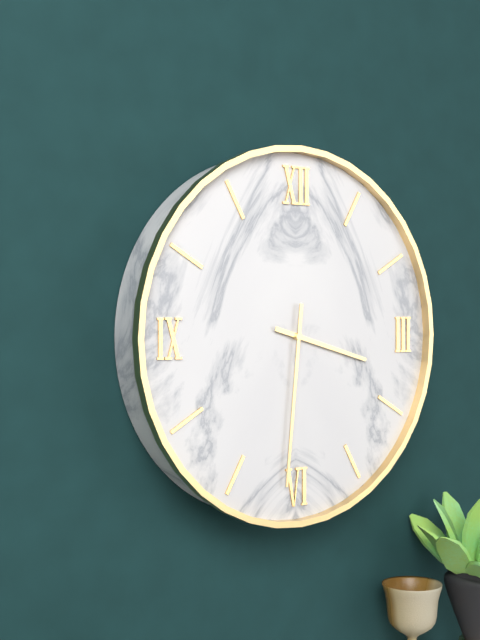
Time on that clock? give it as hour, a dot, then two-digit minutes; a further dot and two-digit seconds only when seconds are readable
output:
3.31
